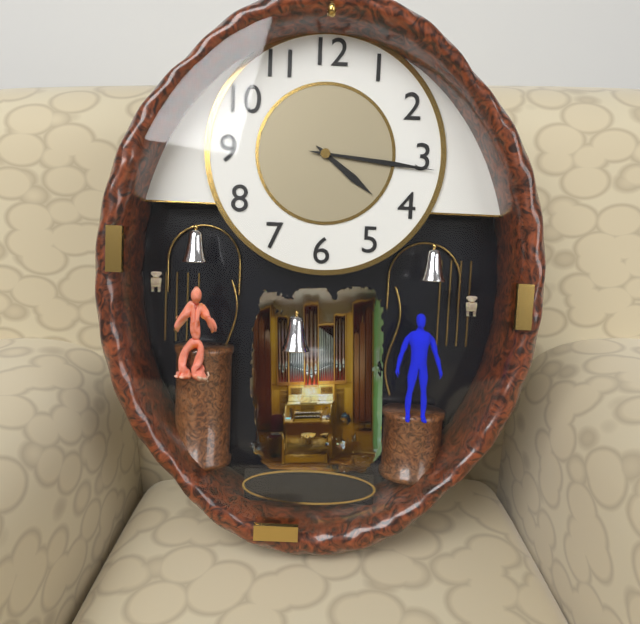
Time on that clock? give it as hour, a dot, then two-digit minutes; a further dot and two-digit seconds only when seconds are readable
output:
4.16
